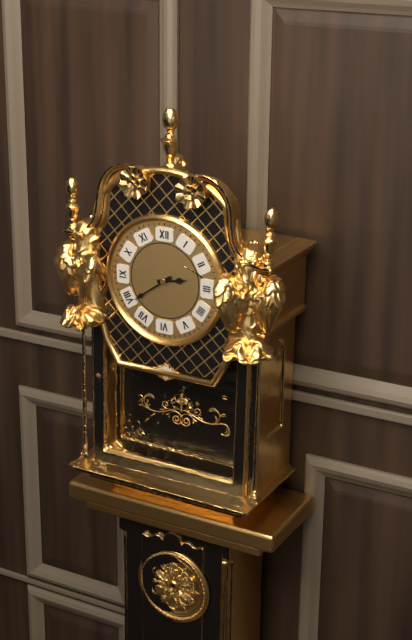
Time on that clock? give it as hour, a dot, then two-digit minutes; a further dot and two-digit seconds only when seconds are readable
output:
2.39
